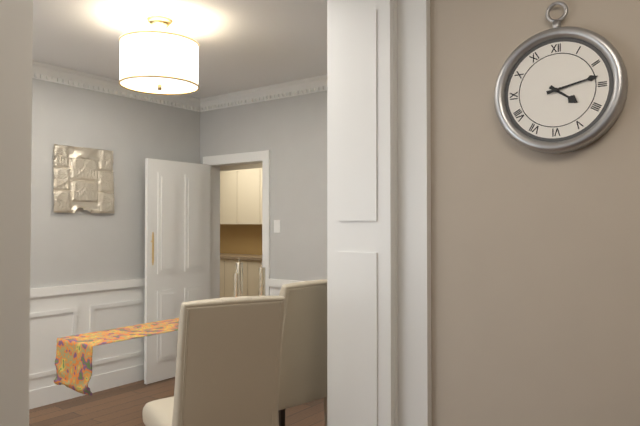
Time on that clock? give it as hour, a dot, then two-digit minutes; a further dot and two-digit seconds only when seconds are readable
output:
4.13
